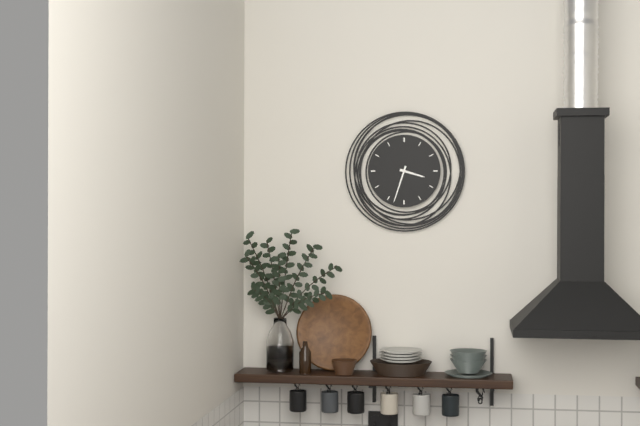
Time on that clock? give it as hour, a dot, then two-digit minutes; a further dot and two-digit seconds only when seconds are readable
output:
3.33
